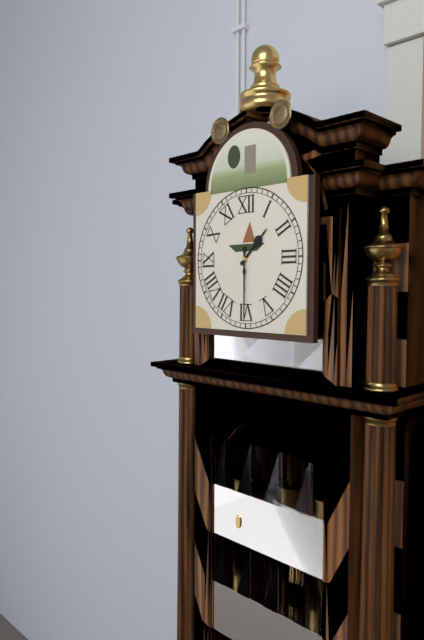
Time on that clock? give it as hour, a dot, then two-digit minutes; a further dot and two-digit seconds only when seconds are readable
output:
1.30
